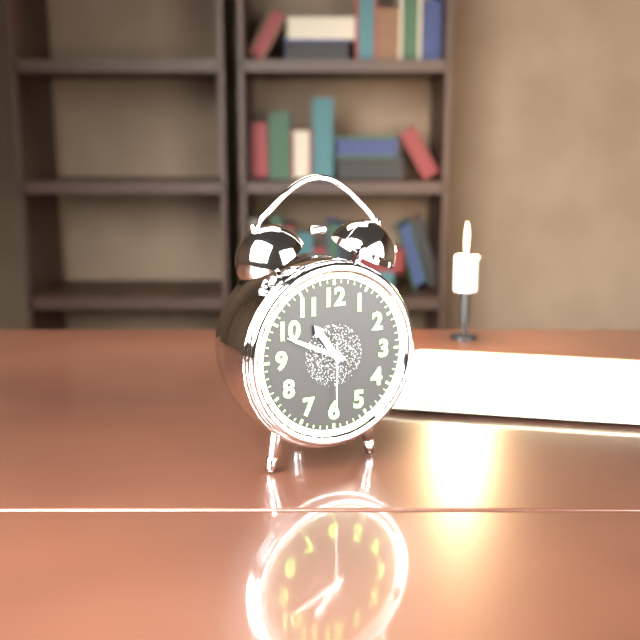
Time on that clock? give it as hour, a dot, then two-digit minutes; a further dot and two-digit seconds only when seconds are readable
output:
10.49.30
